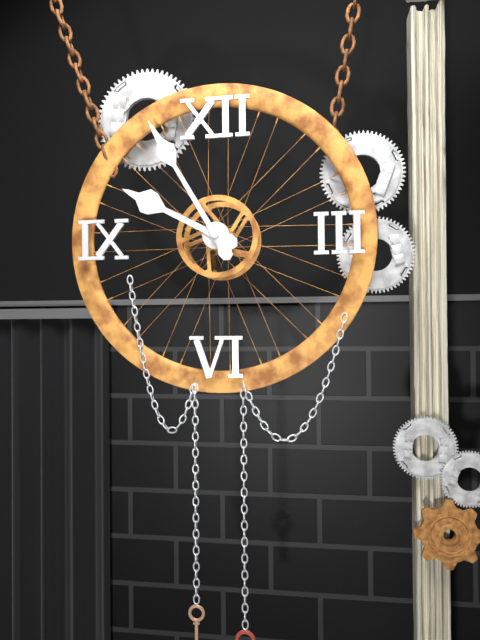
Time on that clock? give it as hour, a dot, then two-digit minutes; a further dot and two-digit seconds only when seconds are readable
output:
9.55
